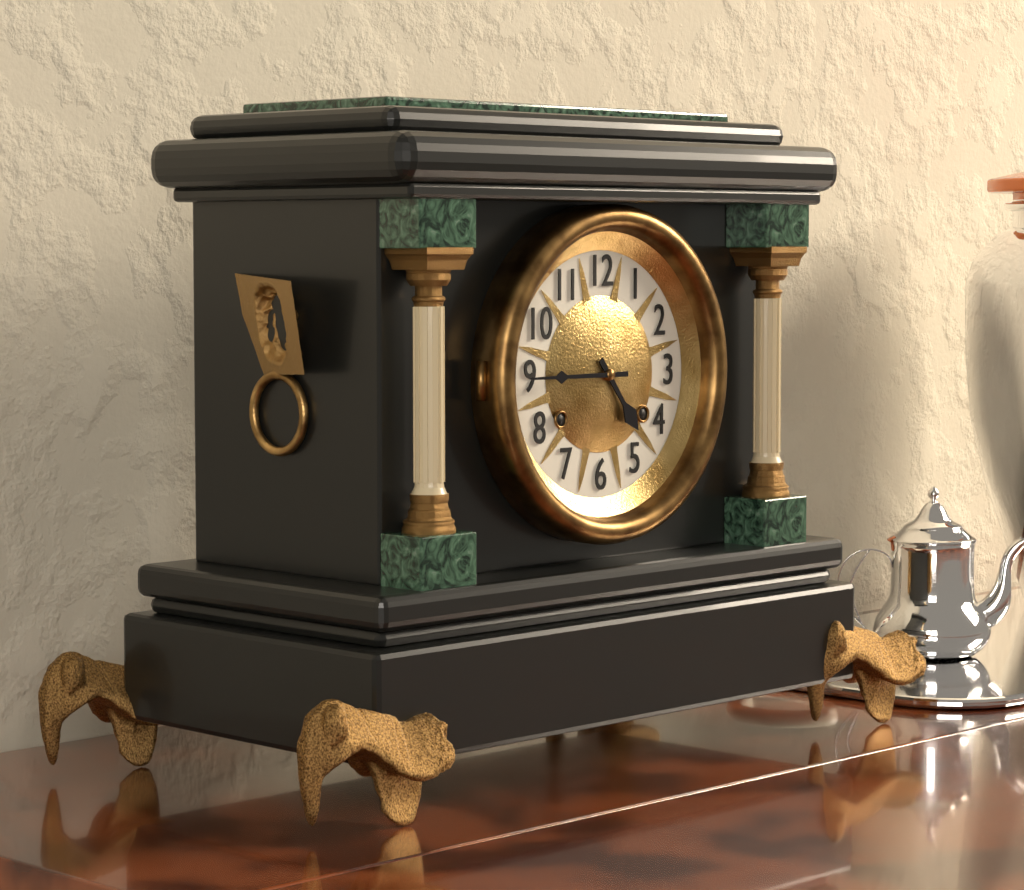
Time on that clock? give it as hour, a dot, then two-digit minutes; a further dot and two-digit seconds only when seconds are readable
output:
4.45
